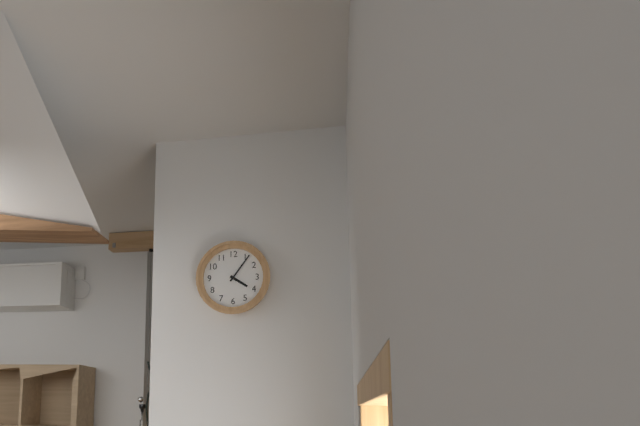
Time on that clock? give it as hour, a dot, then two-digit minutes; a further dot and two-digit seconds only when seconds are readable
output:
4.06
